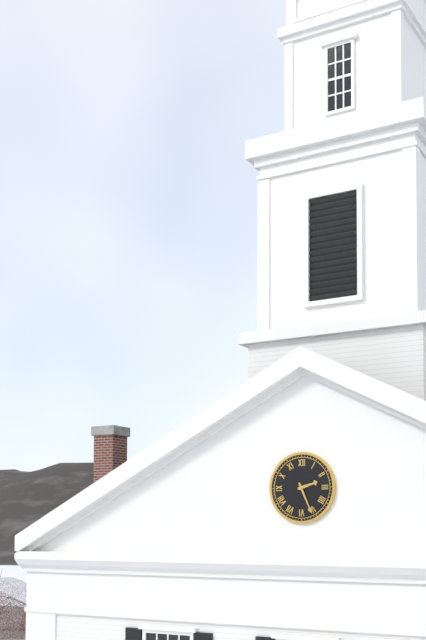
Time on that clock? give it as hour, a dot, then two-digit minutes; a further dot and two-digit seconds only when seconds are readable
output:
2.26
